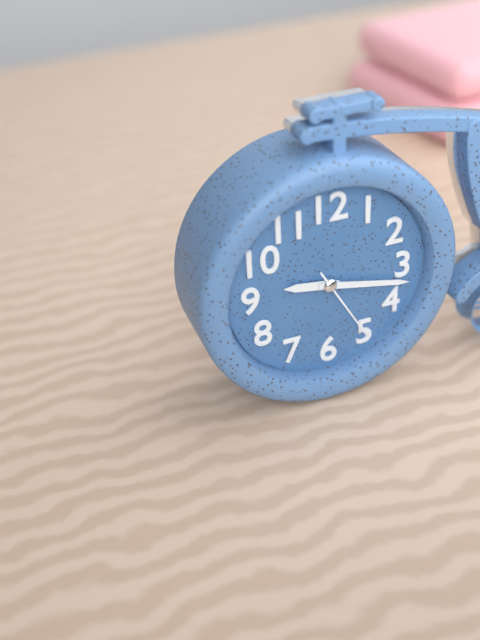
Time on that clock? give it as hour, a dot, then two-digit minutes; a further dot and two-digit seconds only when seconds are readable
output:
9.17.25
